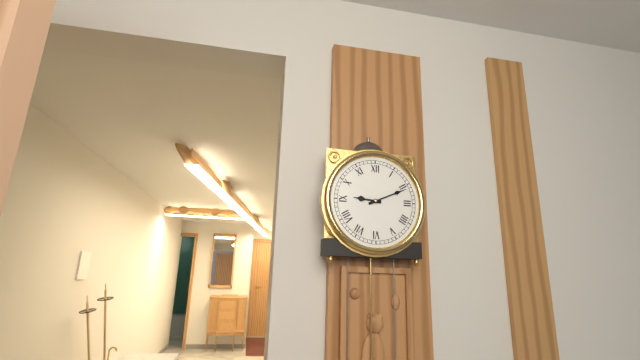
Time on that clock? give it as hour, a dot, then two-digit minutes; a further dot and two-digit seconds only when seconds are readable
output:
9.11
